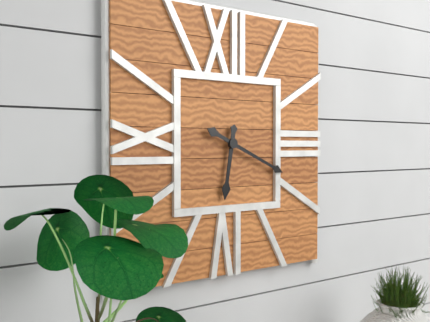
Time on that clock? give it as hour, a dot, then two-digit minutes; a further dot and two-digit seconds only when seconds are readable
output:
6.19
